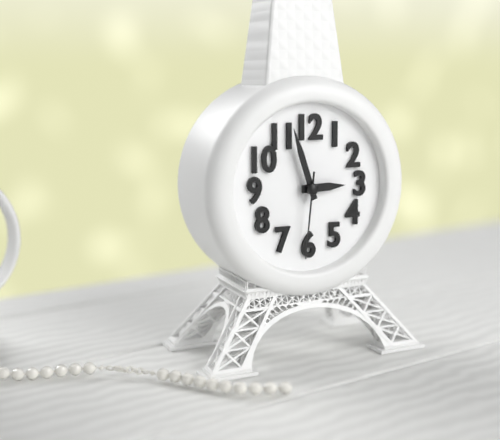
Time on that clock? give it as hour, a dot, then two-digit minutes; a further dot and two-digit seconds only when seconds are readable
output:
2.57.31
